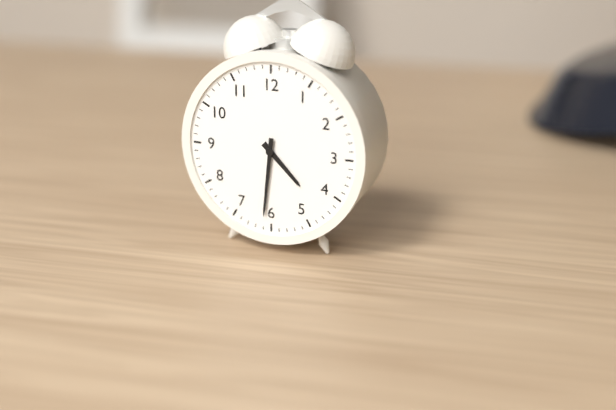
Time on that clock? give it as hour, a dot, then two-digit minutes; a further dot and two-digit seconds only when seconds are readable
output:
4.31
